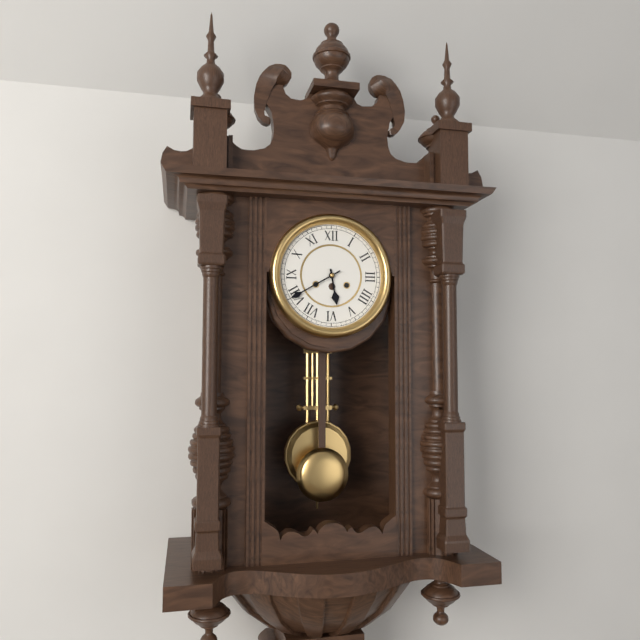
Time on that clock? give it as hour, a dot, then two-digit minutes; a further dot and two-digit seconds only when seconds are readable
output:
5.40
